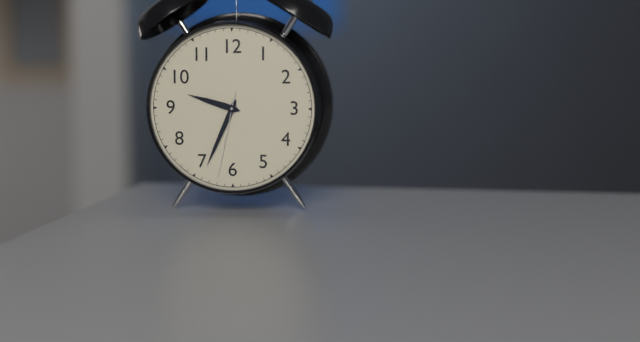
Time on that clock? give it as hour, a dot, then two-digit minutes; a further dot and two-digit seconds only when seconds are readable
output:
9.34.32
